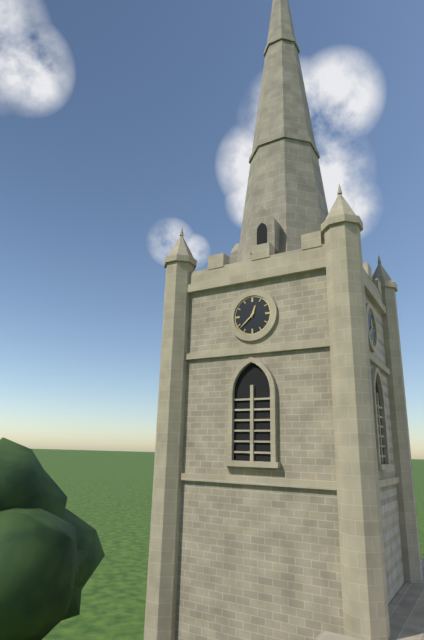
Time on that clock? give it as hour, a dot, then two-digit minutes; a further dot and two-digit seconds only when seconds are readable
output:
12.38
